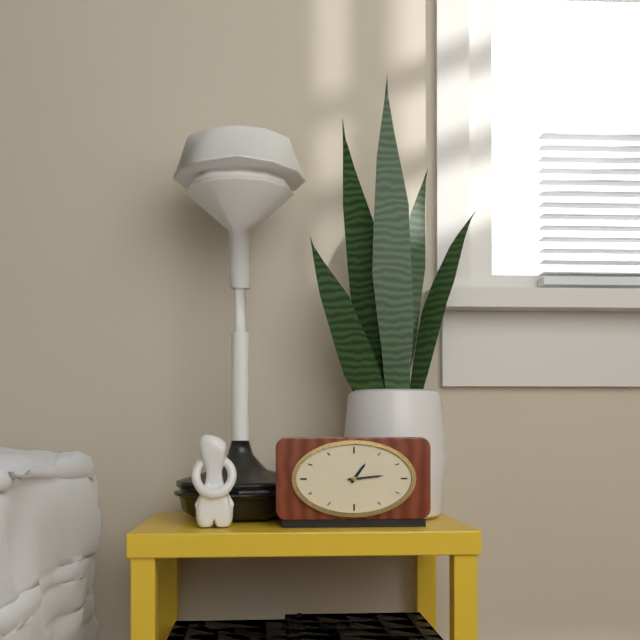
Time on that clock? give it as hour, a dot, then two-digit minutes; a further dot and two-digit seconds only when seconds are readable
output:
1.14
